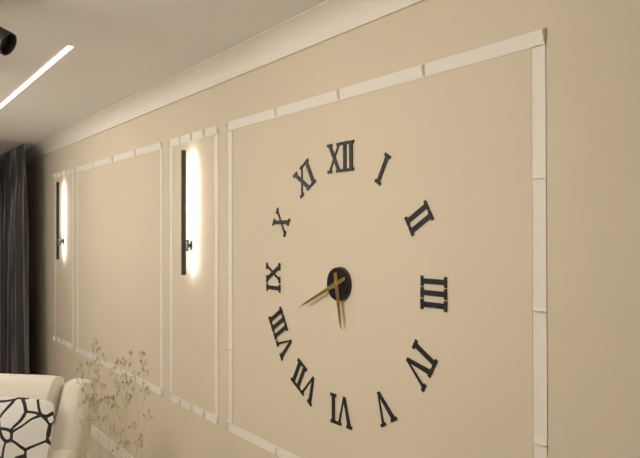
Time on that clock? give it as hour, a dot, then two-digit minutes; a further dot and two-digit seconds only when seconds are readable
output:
5.41
